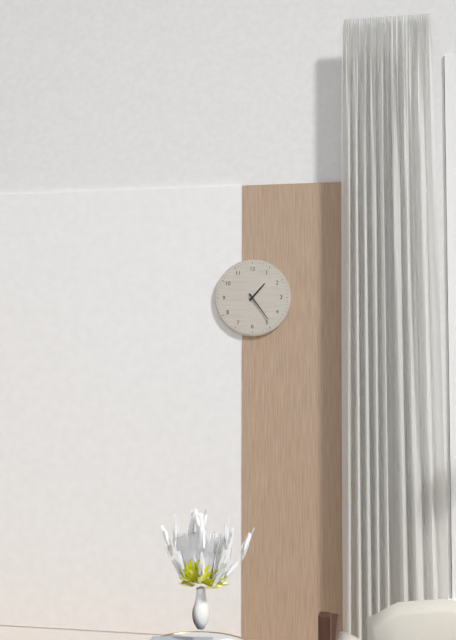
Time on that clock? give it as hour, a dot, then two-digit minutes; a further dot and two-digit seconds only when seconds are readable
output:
1.24
